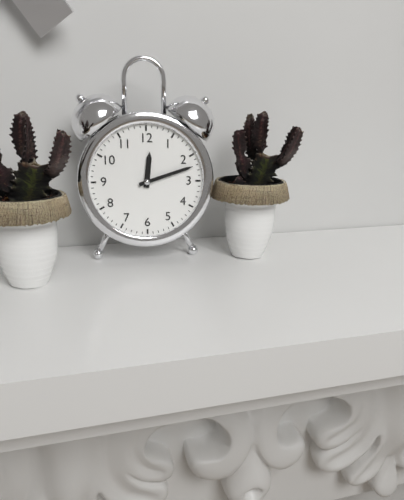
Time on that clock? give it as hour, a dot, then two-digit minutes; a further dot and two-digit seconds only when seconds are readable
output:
12.12
